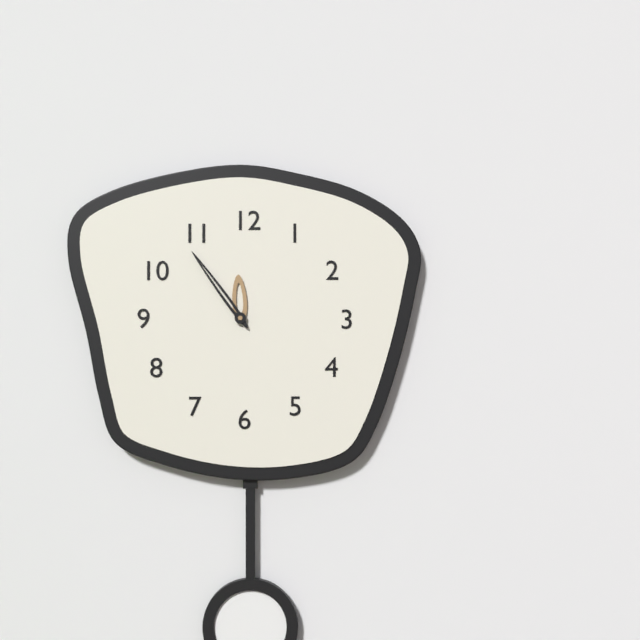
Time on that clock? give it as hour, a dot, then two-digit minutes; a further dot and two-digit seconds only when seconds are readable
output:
11.54
